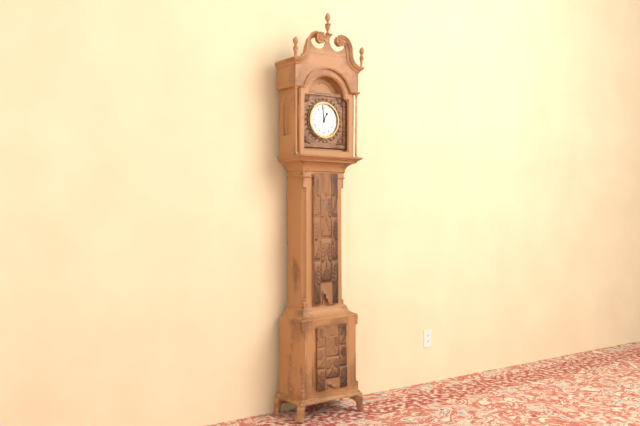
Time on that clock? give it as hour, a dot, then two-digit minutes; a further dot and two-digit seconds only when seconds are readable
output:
12.59
